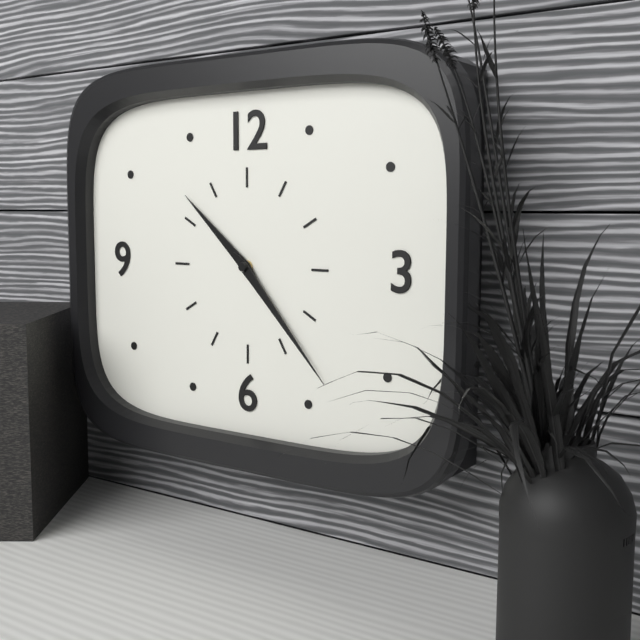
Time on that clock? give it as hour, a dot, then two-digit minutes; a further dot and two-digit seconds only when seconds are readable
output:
10.23
